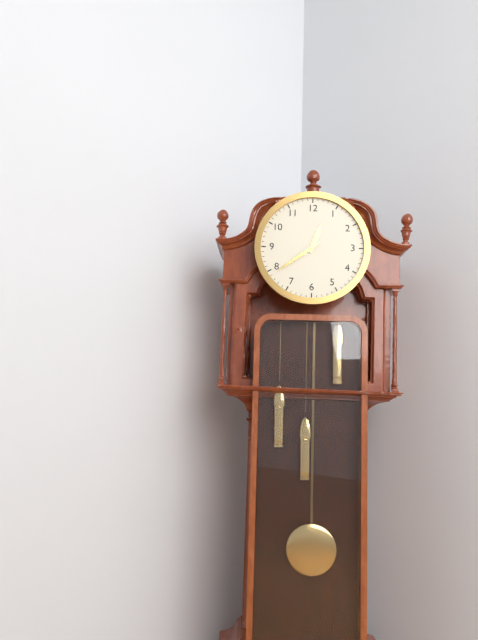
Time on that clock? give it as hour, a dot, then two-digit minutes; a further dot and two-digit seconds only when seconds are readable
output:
12.39
